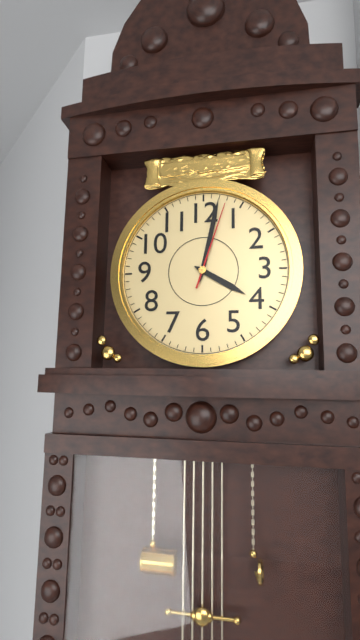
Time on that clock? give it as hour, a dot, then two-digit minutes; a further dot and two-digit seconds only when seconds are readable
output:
4.02.03
